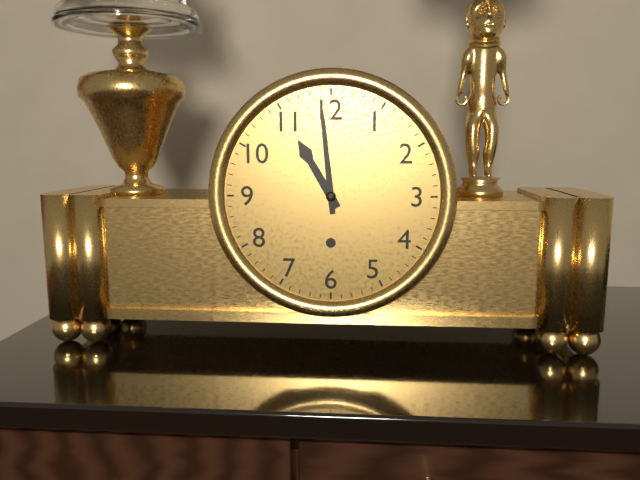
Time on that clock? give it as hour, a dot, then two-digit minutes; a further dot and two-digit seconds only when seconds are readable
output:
10.59
